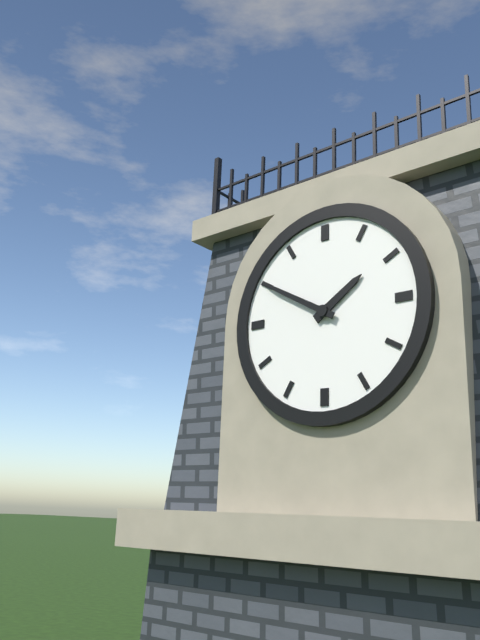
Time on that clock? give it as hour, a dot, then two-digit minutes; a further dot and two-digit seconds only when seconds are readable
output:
1.50
